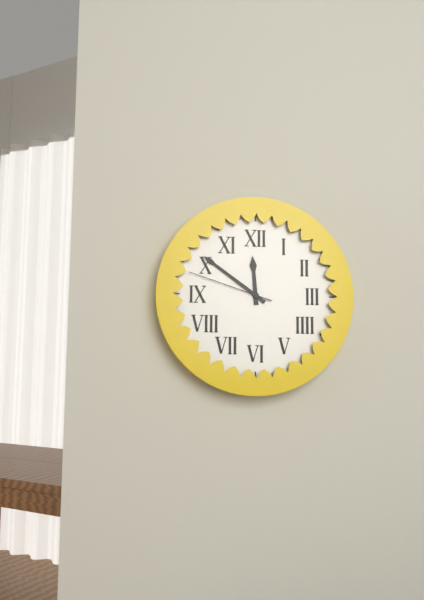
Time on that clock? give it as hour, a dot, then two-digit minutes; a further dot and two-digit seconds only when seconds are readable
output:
11.51.48
